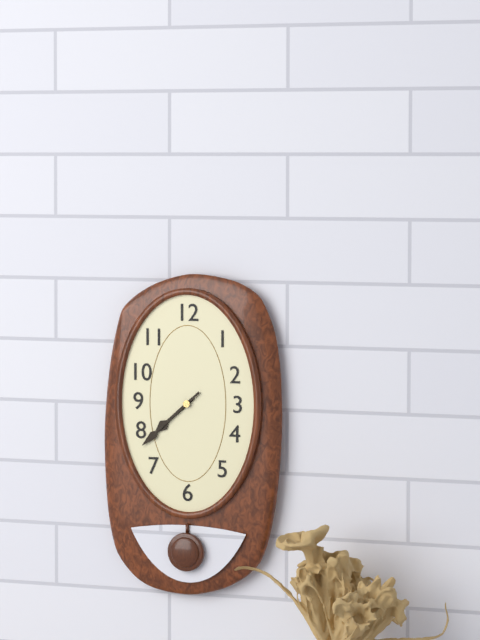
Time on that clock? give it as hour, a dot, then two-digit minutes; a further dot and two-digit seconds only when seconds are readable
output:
7.38
